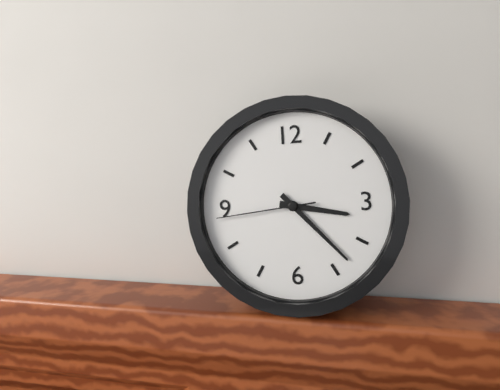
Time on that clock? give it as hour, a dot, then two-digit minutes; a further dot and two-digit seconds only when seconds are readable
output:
3.23.44
